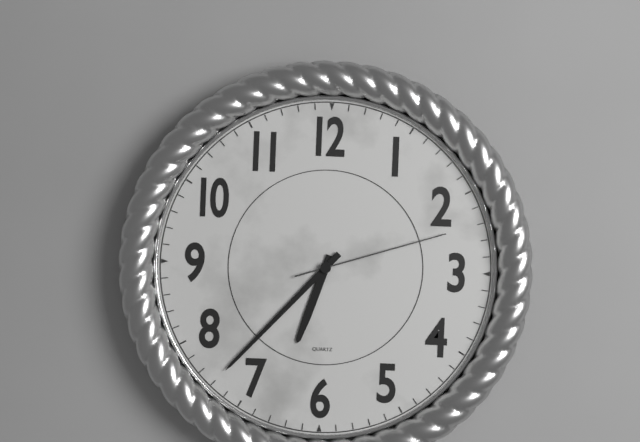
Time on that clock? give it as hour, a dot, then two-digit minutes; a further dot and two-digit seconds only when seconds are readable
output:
6.37.12
